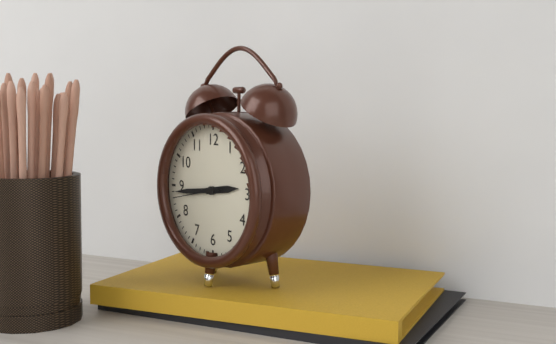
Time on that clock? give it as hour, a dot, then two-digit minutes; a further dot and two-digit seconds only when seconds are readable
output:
2.44.43
